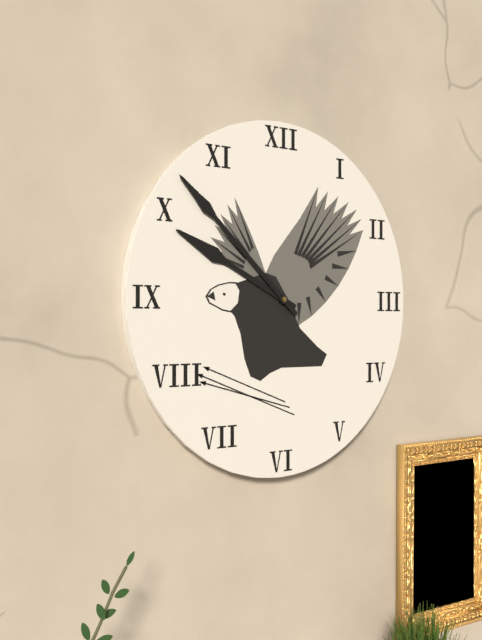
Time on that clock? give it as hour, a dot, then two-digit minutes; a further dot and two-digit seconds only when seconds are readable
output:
9.52
